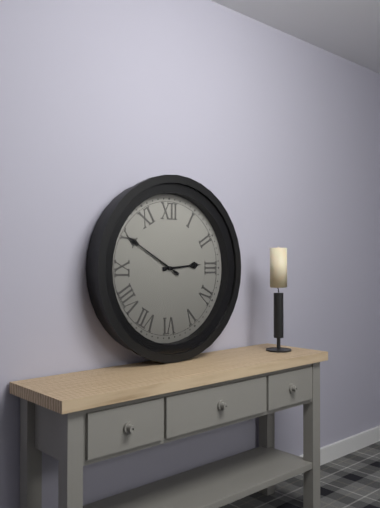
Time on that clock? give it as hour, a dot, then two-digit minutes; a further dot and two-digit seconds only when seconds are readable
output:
2.50
